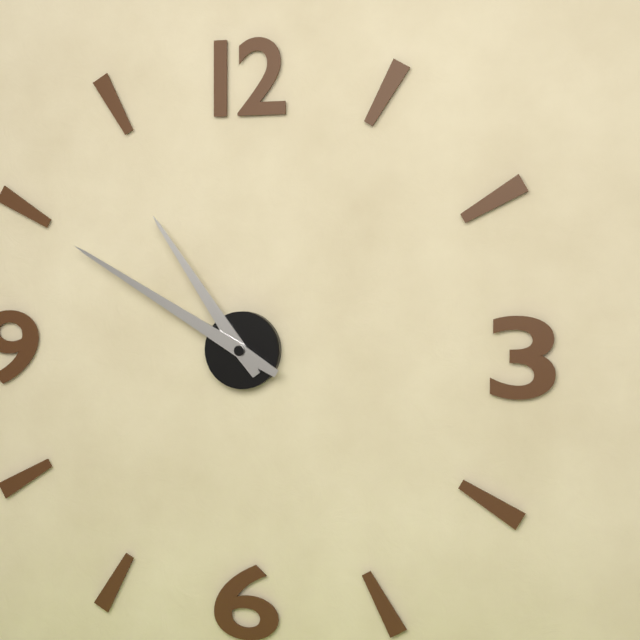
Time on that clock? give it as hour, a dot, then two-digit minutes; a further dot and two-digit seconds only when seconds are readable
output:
10.50
